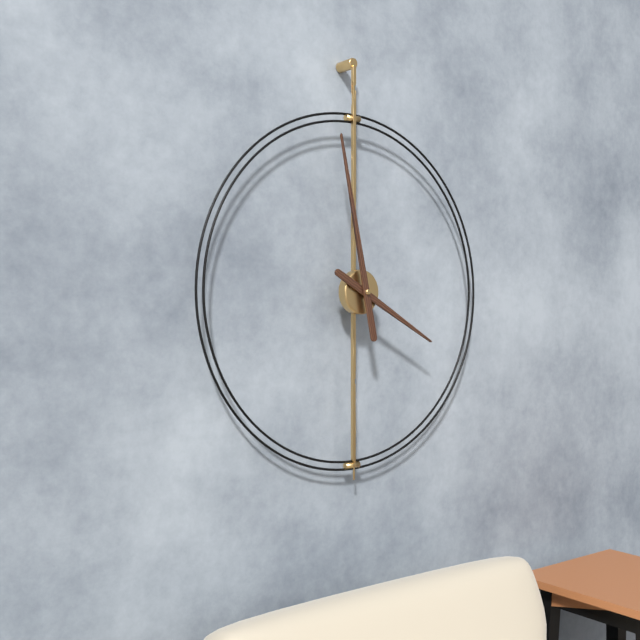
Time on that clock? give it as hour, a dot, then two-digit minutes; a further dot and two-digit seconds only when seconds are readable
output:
3.58
